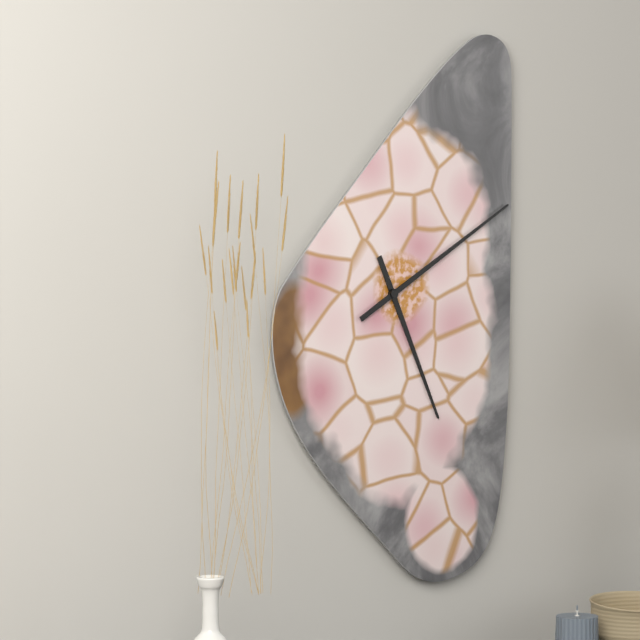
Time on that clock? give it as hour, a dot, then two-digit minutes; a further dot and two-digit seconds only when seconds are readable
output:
5.10
